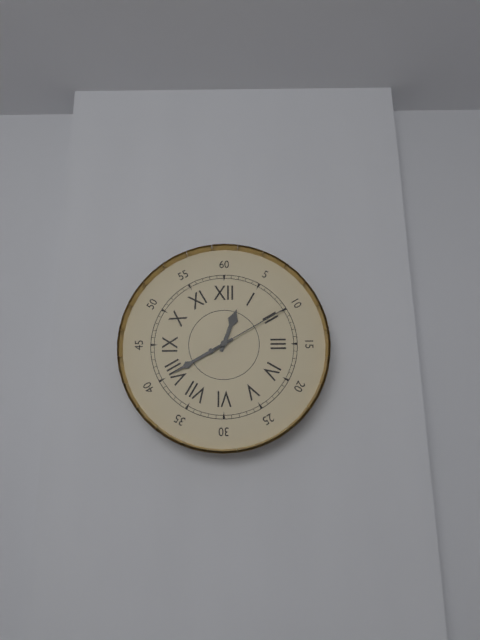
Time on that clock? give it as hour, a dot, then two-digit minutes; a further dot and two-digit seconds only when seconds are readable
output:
12.40.10
